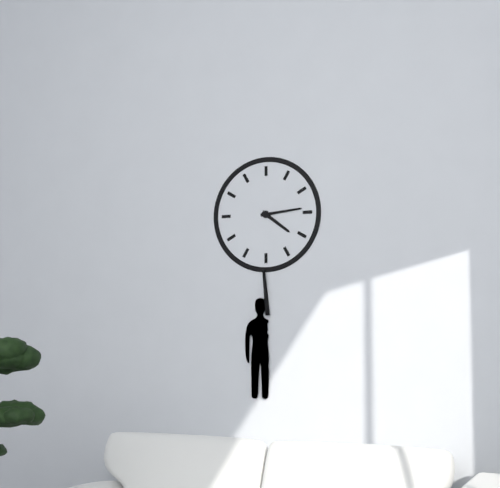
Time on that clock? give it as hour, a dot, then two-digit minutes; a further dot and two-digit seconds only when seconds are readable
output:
4.14
